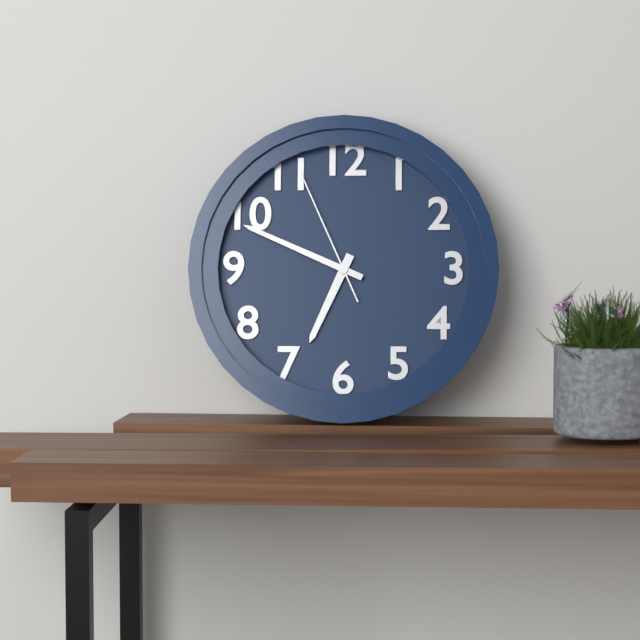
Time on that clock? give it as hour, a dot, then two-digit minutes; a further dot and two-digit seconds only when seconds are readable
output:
6.49.56
